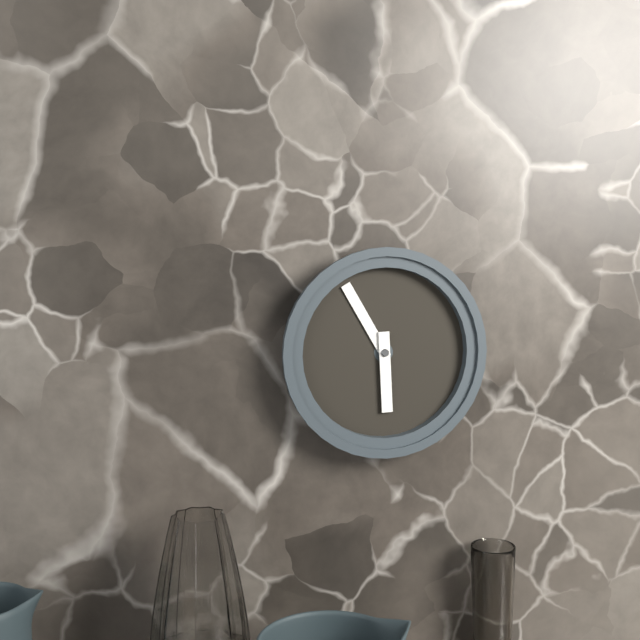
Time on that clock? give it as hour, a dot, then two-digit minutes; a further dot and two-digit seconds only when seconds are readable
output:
5.55
